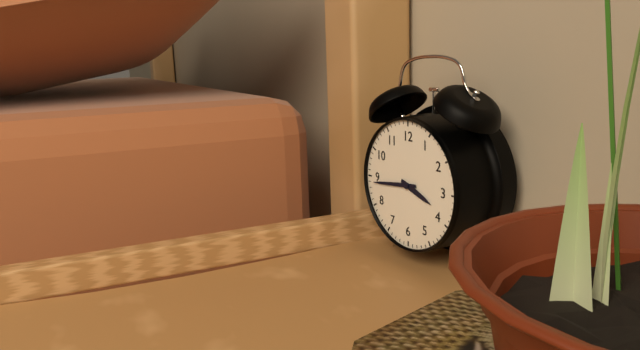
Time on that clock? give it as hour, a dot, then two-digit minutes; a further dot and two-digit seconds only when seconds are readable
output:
3.44
